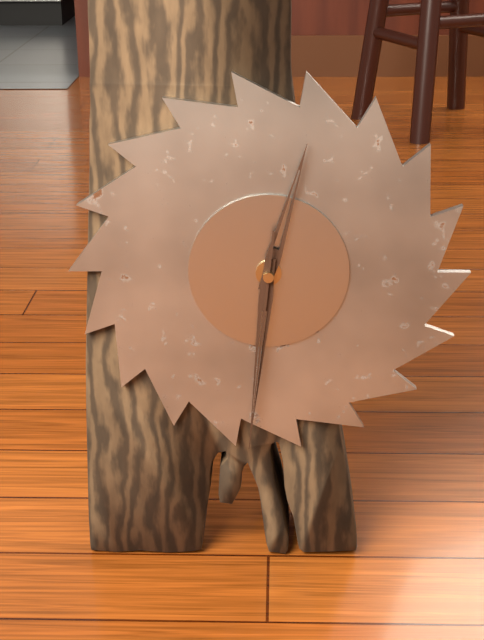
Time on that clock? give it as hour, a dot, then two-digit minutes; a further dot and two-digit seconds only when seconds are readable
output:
12.31.31
